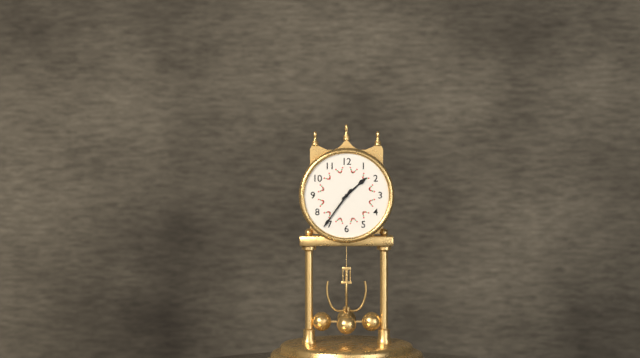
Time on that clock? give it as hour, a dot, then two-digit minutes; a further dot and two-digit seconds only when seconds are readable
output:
1.36
